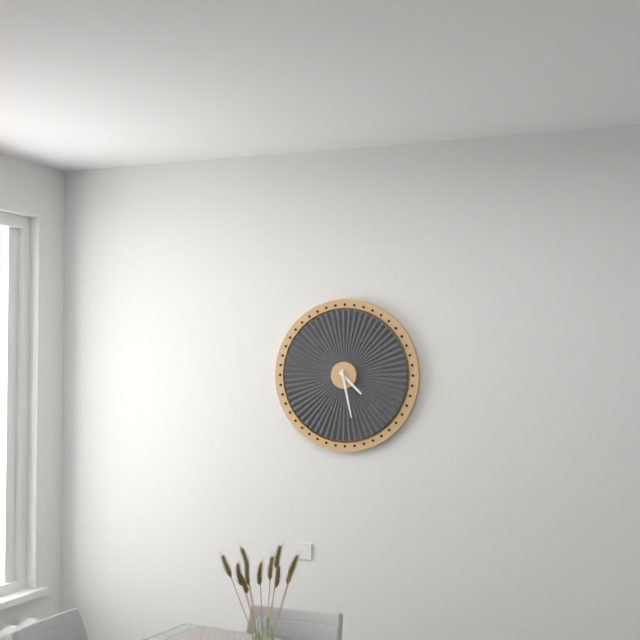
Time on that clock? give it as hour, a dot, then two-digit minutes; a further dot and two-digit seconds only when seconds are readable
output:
4.28
